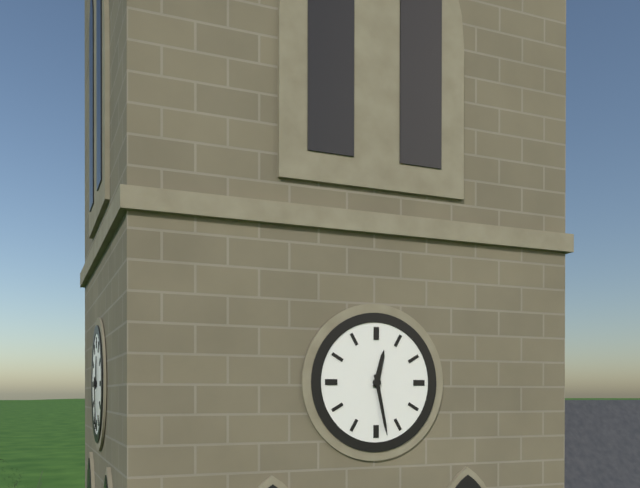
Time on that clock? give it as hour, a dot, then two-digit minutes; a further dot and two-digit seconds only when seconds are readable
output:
12.28
